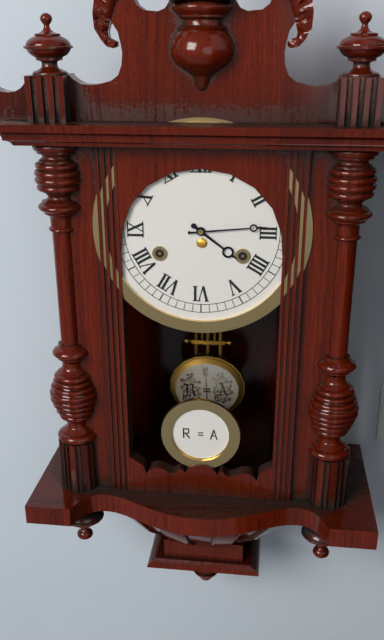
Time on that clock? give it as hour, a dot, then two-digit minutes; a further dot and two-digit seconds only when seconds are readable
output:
4.14
